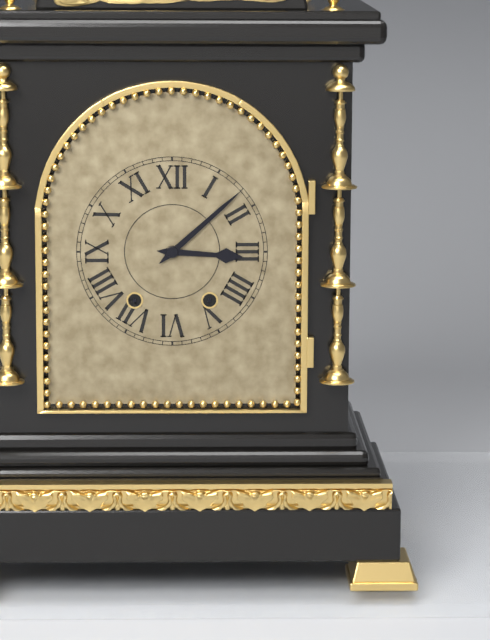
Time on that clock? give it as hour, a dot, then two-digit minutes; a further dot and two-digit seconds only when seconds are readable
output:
3.08
